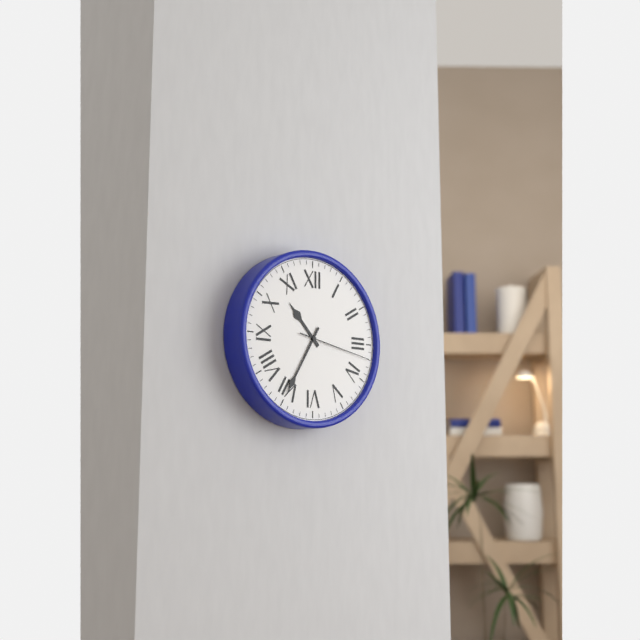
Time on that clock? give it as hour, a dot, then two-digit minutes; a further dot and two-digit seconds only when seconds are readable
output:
10.35.17
